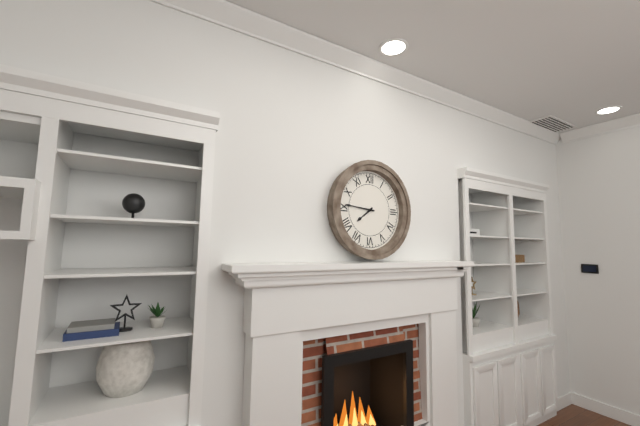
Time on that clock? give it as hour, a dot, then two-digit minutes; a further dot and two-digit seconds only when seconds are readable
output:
7.46
